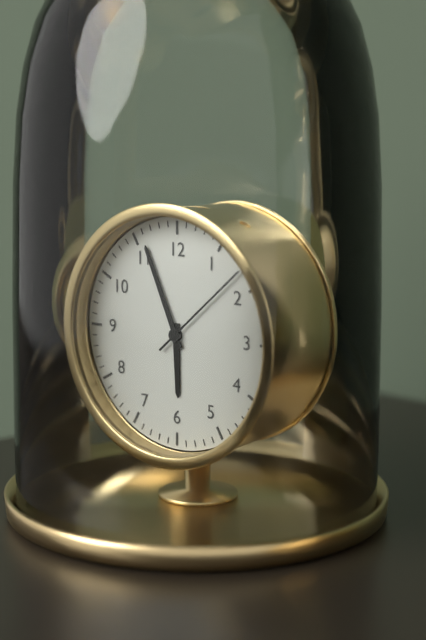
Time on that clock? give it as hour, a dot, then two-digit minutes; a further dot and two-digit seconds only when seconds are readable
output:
5.56.08
